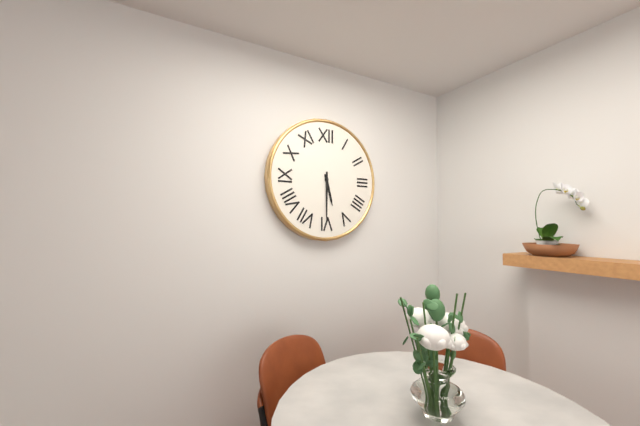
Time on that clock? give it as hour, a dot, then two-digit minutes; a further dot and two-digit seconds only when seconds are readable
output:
5.30
